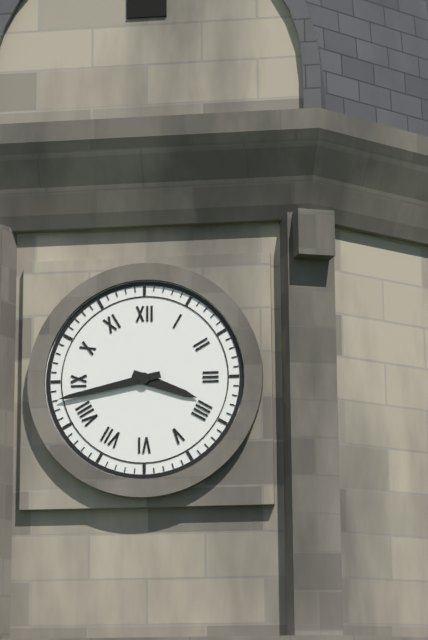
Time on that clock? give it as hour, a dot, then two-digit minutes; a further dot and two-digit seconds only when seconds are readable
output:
3.43
